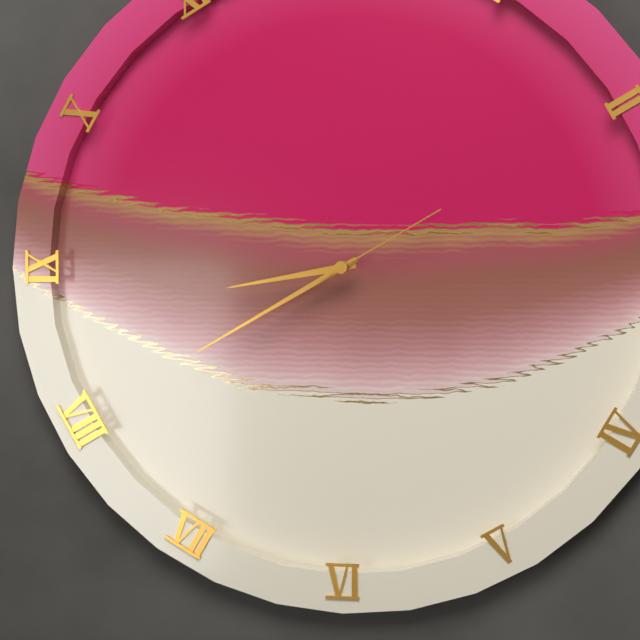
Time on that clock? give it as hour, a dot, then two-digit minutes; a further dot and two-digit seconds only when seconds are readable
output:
8.40.10
